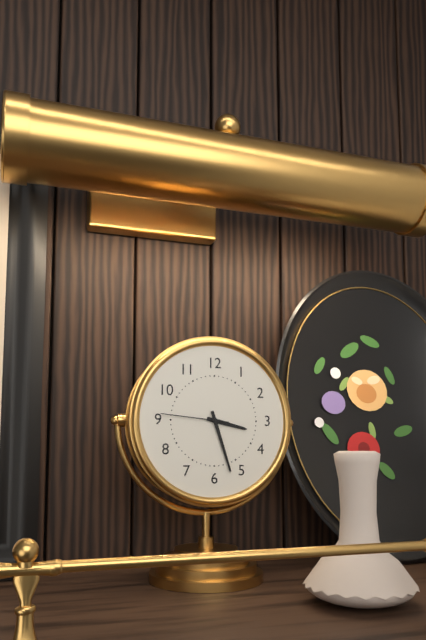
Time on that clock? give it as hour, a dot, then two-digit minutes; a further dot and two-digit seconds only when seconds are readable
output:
3.27.46
